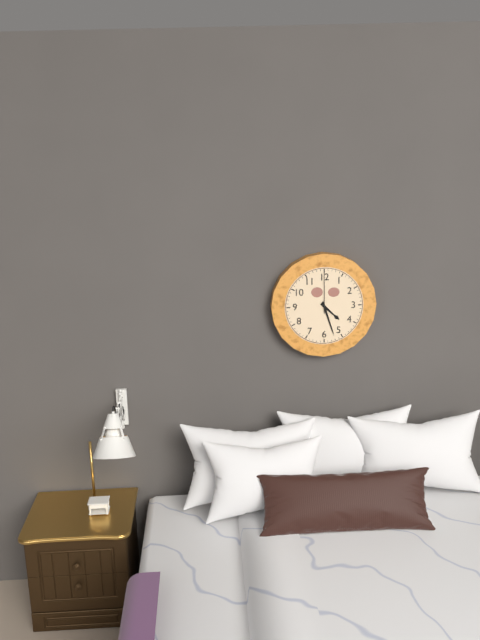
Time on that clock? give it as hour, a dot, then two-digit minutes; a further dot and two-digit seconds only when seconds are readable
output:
4.27
